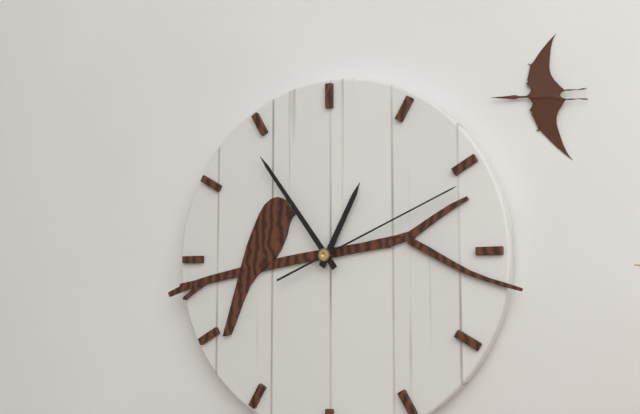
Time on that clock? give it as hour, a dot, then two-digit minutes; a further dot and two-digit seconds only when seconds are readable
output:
12.54.11
